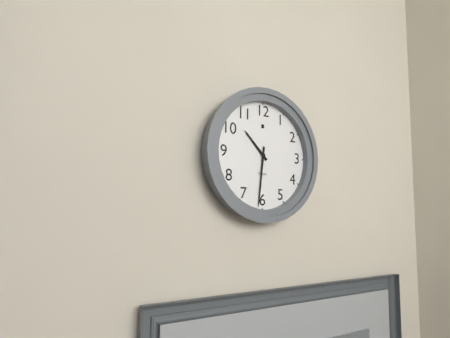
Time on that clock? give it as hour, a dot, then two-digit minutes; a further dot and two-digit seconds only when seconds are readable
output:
10.31
